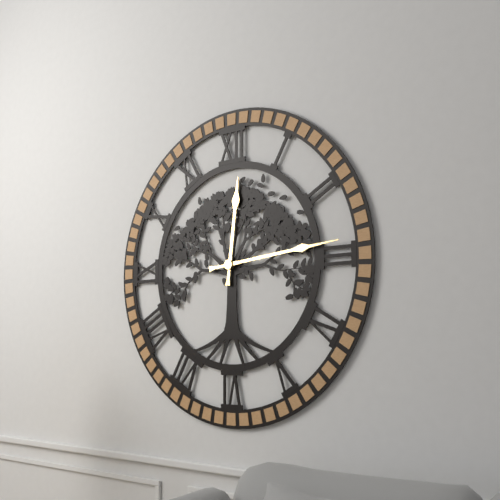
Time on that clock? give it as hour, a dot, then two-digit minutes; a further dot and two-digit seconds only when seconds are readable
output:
12.14
